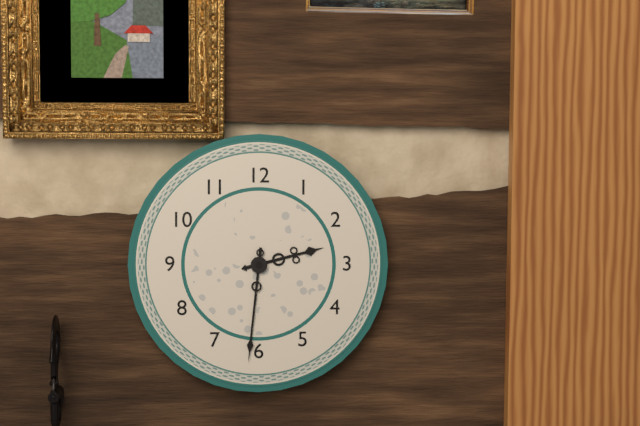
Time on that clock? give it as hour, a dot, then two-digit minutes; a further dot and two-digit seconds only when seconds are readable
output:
2.31
